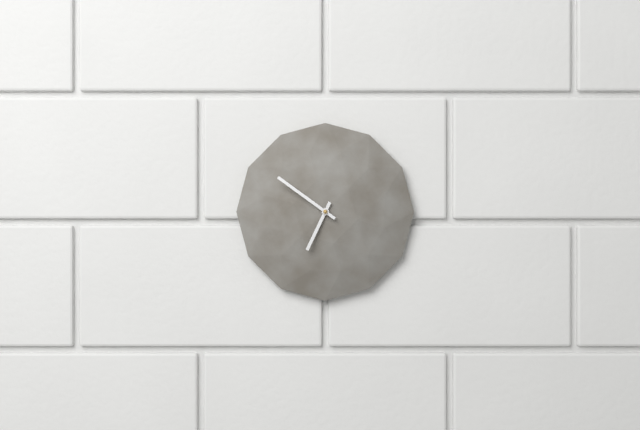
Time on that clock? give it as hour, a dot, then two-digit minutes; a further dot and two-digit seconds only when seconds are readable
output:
6.51
